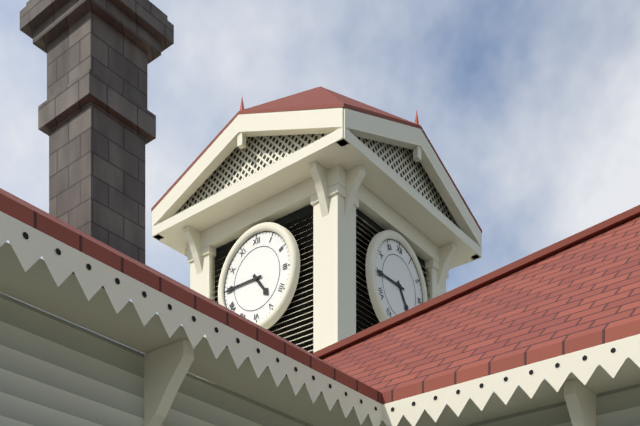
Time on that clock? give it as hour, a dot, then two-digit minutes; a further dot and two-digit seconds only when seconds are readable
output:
4.45
